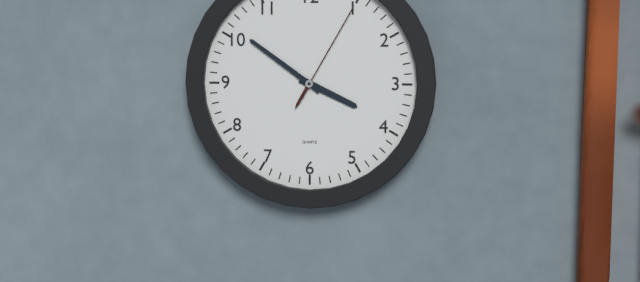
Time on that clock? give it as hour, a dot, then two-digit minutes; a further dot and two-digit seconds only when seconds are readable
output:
3.51.05
